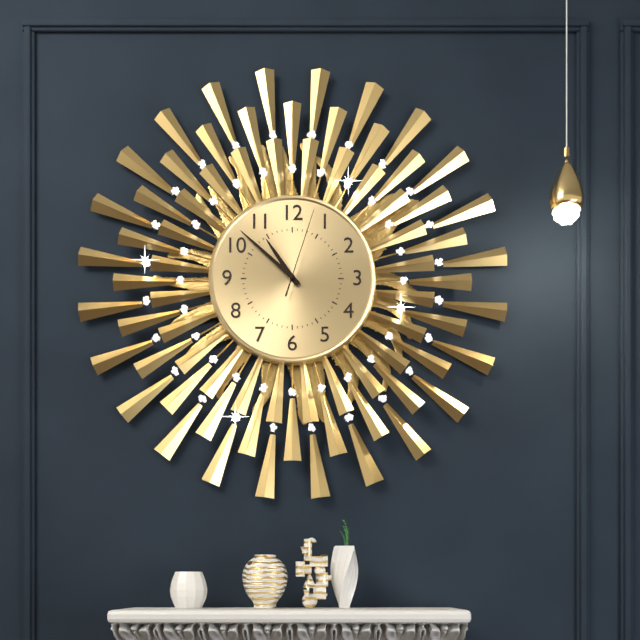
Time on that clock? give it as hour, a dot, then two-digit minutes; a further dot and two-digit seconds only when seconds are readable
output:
10.52.03
